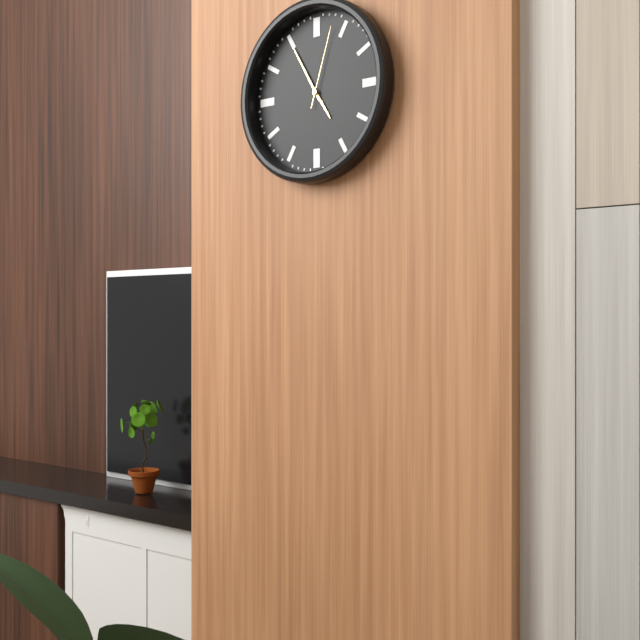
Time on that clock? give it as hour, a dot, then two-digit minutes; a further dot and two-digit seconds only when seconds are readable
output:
4.55.03
